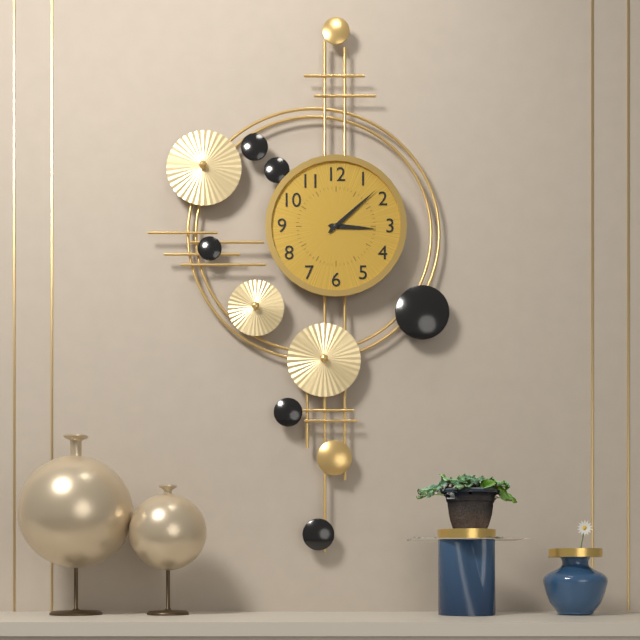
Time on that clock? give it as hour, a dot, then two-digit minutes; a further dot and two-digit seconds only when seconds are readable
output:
3.08
